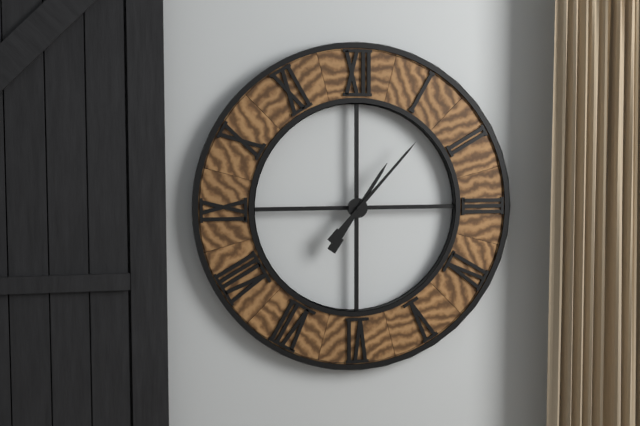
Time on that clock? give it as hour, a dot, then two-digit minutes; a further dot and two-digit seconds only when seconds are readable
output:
1.07
